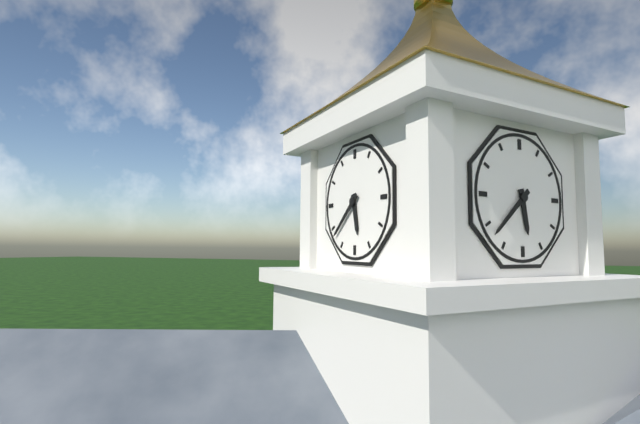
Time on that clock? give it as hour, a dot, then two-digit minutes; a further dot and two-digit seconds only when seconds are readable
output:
5.38
